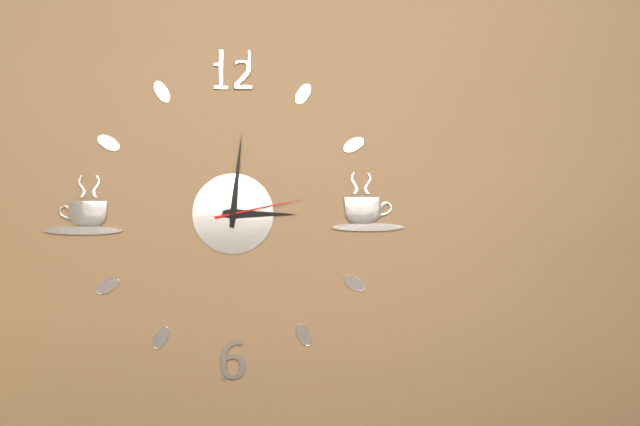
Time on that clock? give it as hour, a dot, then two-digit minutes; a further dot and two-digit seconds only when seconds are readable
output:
3.01.13
